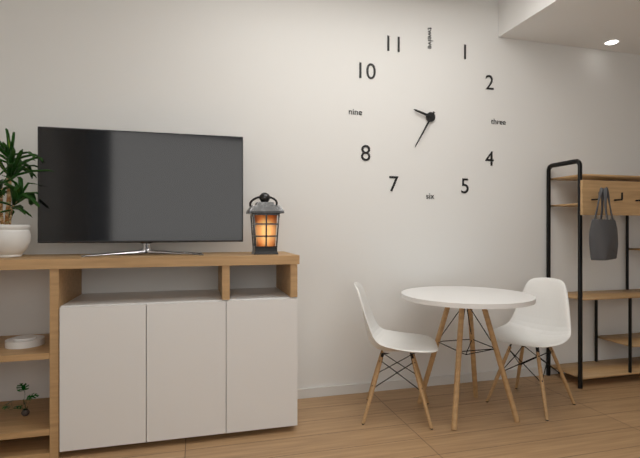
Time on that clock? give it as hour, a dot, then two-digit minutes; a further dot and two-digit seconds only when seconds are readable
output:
9.35
